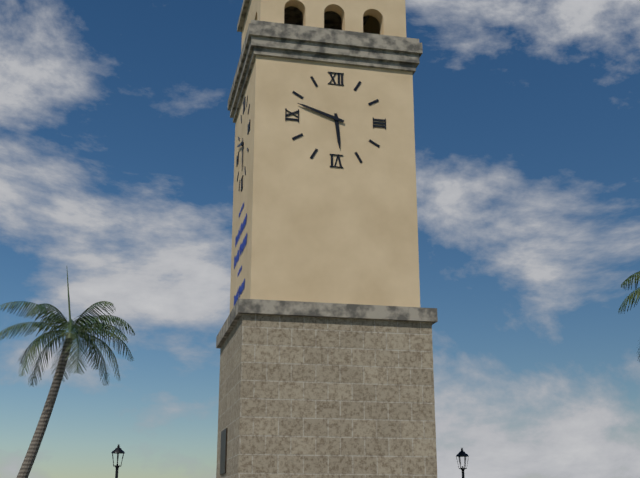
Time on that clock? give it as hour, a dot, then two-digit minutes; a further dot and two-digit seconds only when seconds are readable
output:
5.48
